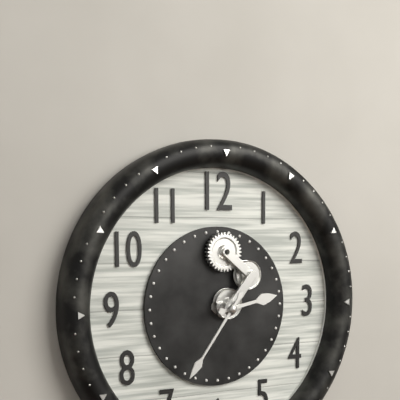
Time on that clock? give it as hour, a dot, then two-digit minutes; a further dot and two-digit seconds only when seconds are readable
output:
2.36
